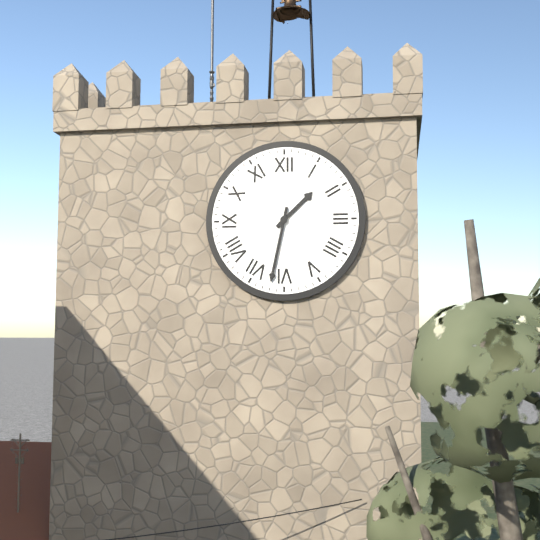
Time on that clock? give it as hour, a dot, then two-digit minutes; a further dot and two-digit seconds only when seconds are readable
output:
1.32
